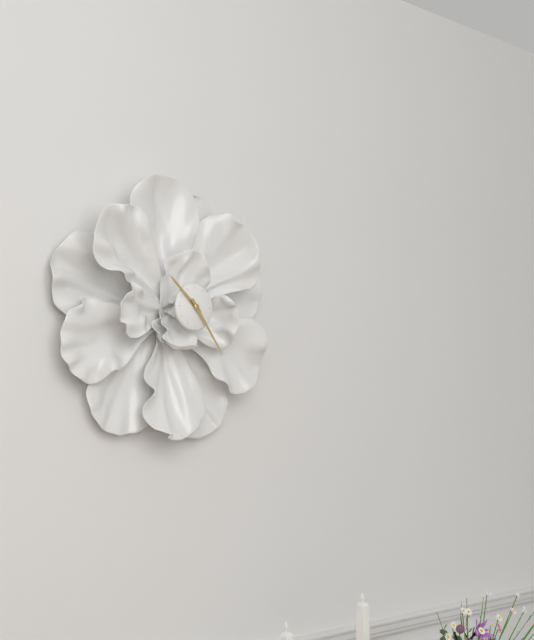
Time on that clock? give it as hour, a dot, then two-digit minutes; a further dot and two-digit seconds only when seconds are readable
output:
10.24
